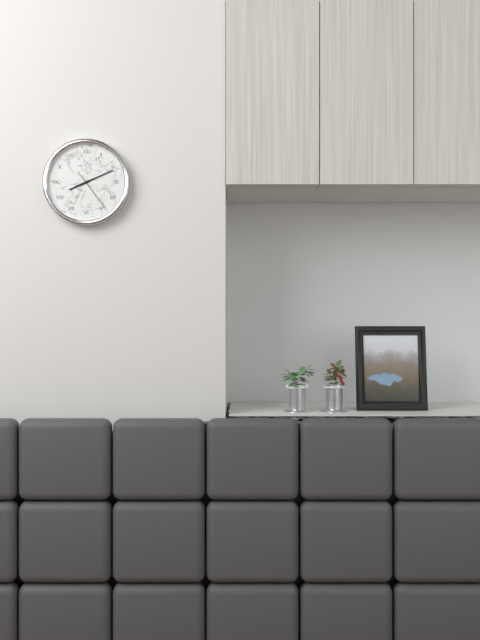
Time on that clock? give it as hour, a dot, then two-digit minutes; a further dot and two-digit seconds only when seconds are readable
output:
8.11
